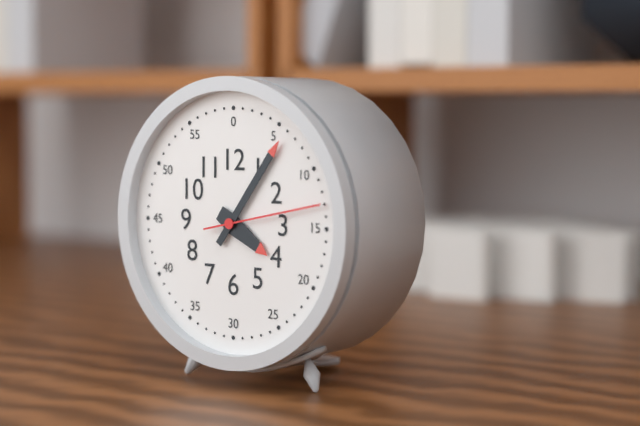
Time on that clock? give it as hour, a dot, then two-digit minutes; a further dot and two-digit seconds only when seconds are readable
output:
4.06.13
